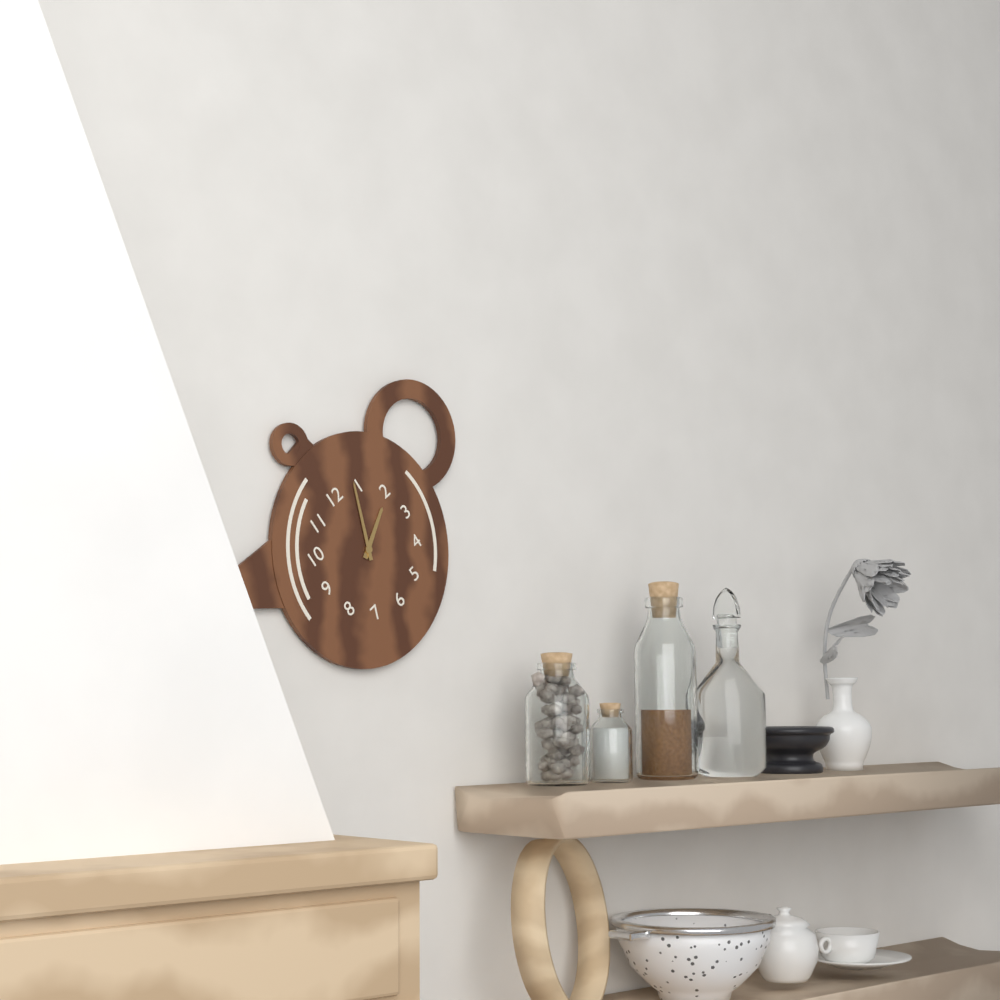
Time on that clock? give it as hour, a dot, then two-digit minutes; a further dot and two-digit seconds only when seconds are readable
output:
2.04
